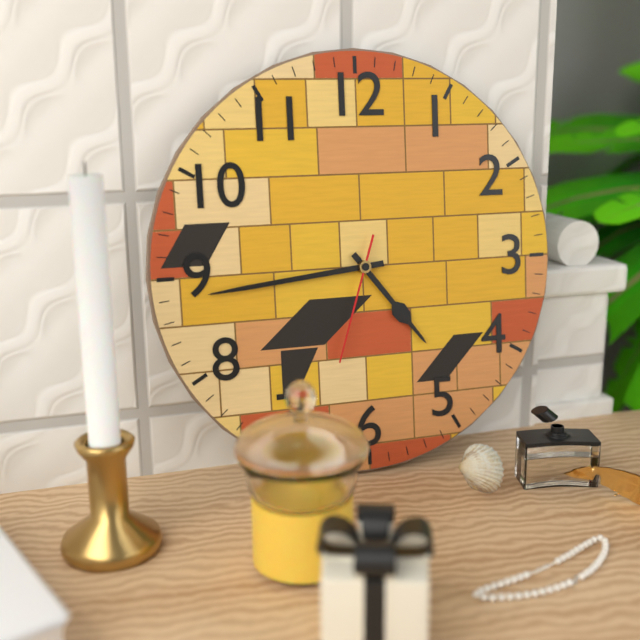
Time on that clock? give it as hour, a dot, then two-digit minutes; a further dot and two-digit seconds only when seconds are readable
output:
4.44.33
